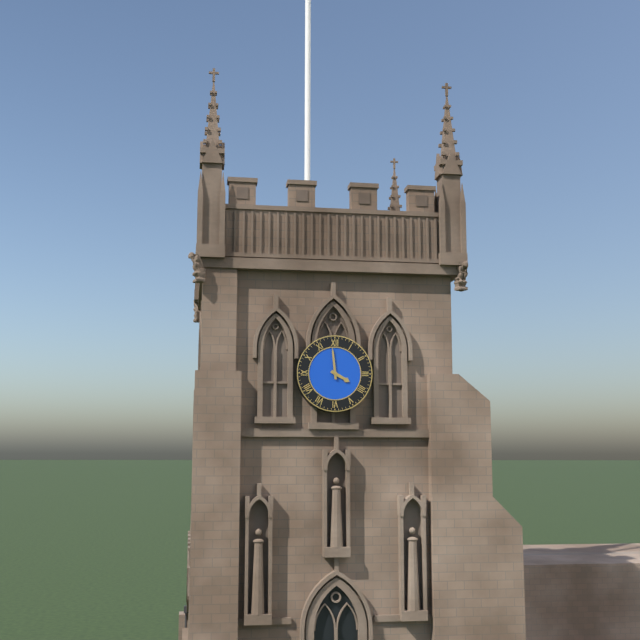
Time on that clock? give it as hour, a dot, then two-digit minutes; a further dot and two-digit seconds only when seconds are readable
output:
3.59
